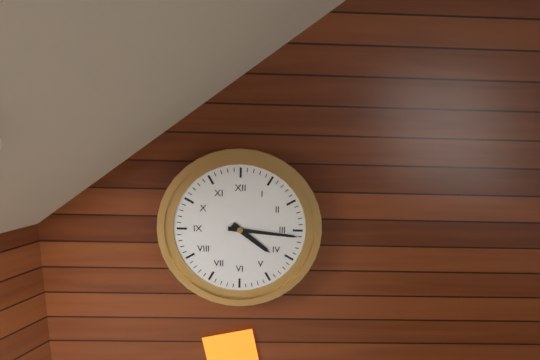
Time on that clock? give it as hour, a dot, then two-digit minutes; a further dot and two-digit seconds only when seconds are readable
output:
4.16
